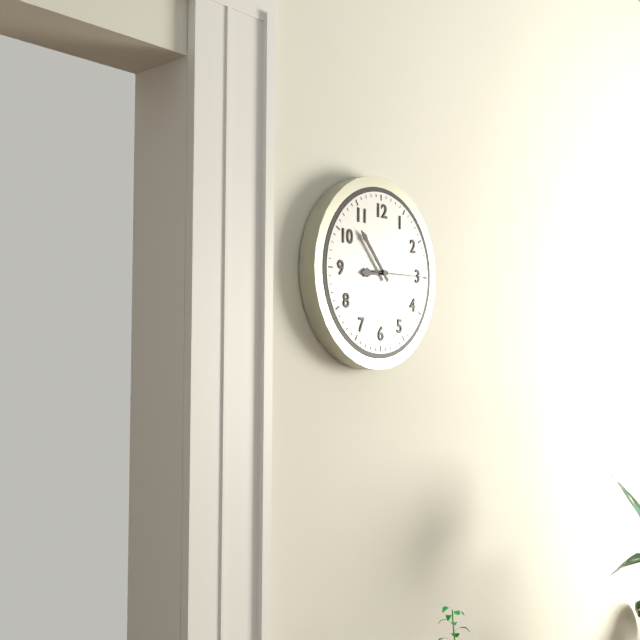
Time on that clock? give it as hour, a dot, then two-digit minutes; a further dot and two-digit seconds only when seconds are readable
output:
8.53.15
